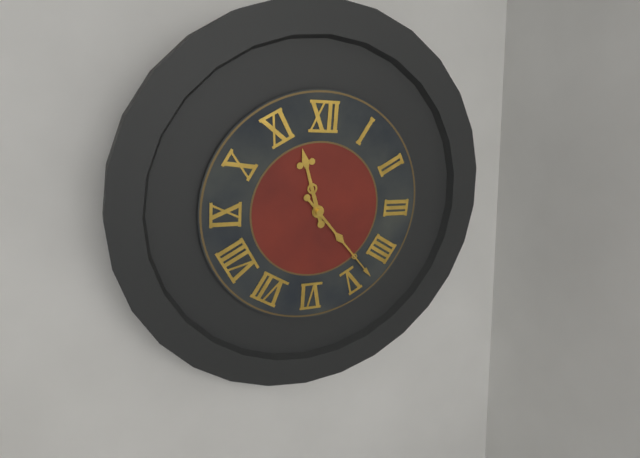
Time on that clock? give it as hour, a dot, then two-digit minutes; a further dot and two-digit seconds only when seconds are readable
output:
11.23
